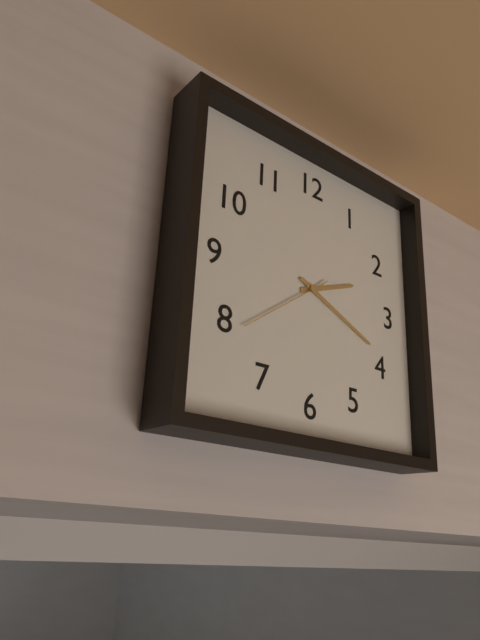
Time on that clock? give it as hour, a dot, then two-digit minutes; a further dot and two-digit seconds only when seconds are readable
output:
2.19.39
